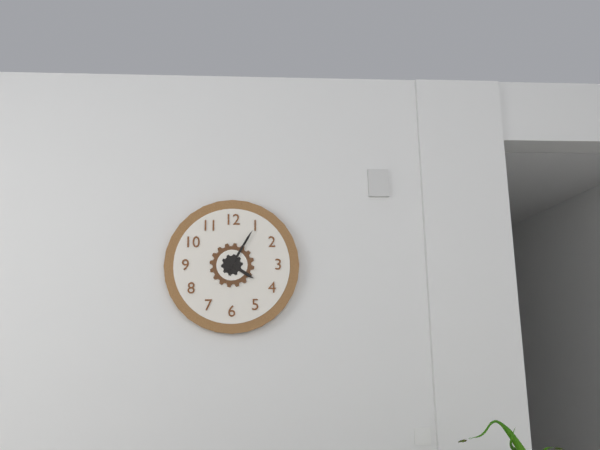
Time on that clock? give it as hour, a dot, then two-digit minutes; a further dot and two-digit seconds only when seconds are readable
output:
4.05
